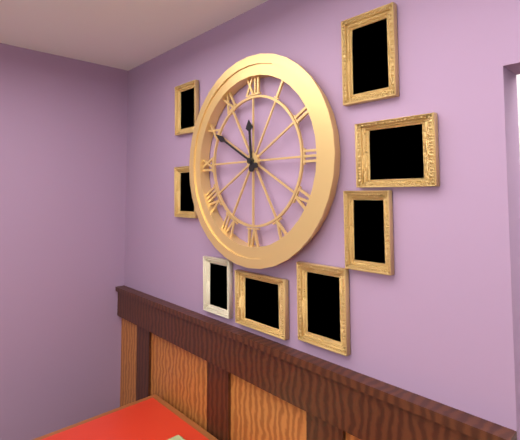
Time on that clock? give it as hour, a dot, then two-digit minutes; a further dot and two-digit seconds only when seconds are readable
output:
11.50
